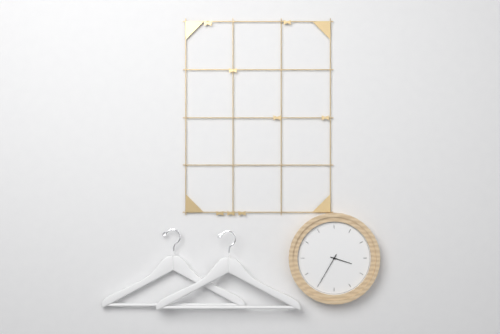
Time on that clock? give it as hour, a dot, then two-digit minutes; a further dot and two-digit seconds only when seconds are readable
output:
3.35
